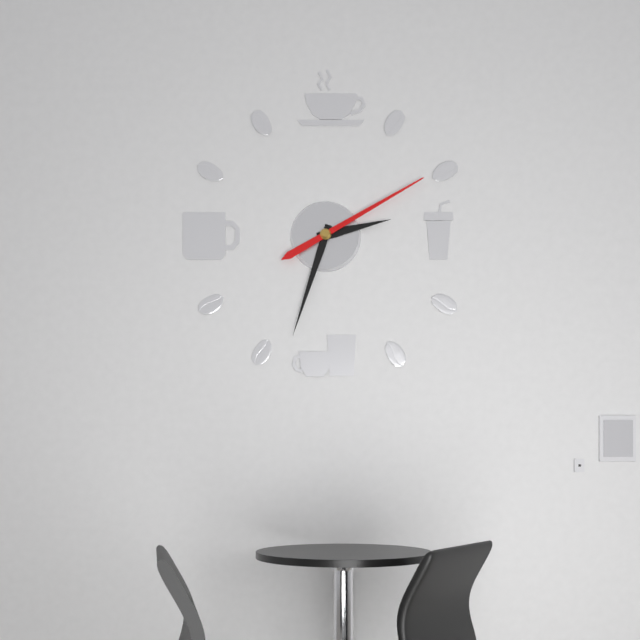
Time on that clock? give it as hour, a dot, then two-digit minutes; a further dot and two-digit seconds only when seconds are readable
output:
2.33.10
